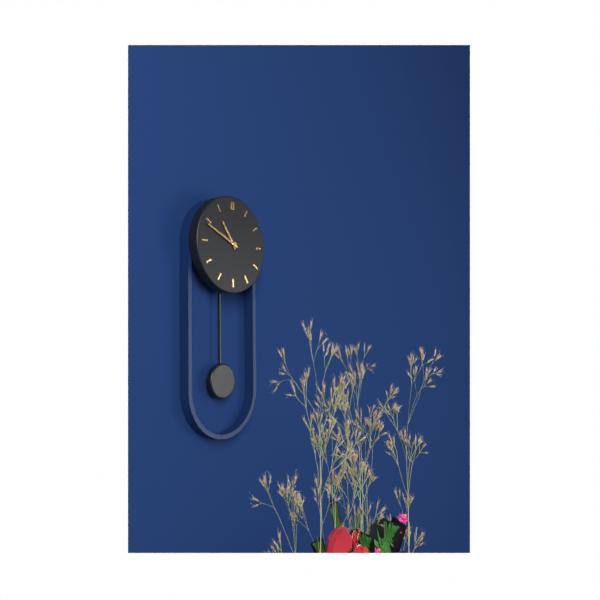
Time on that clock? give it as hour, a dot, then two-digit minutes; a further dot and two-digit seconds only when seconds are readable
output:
10.49
